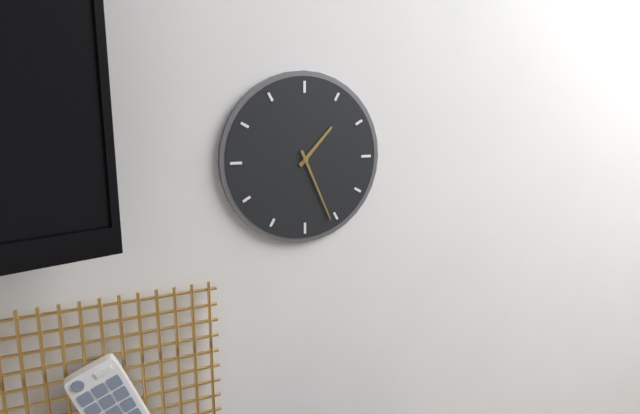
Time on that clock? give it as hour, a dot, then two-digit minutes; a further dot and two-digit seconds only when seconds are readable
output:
1.26
